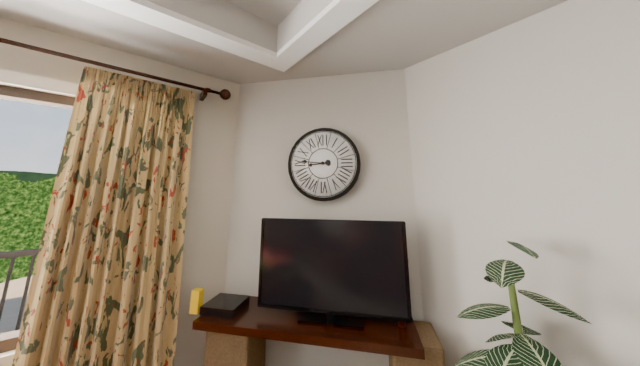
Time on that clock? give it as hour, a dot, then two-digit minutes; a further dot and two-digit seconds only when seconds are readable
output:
8.46
